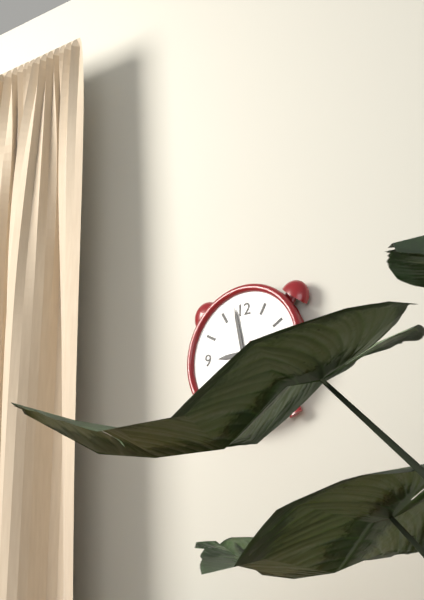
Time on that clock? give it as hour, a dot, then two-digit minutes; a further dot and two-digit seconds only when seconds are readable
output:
8.58.37
